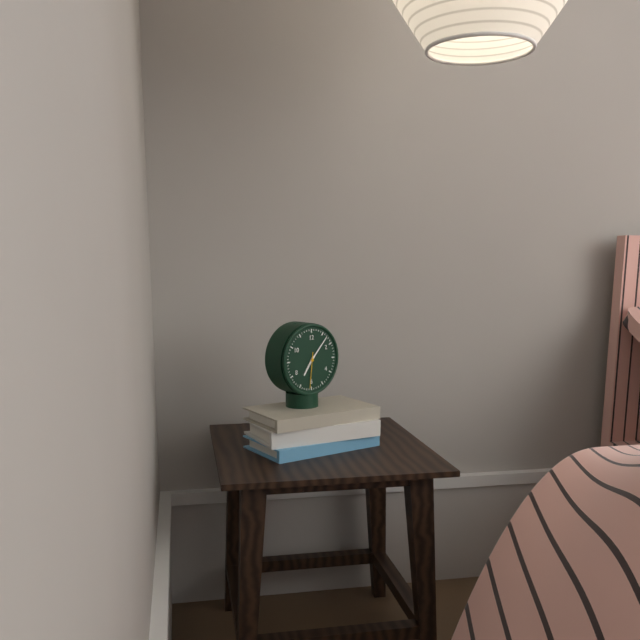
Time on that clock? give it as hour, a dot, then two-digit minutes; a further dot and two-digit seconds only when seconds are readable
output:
7.07
